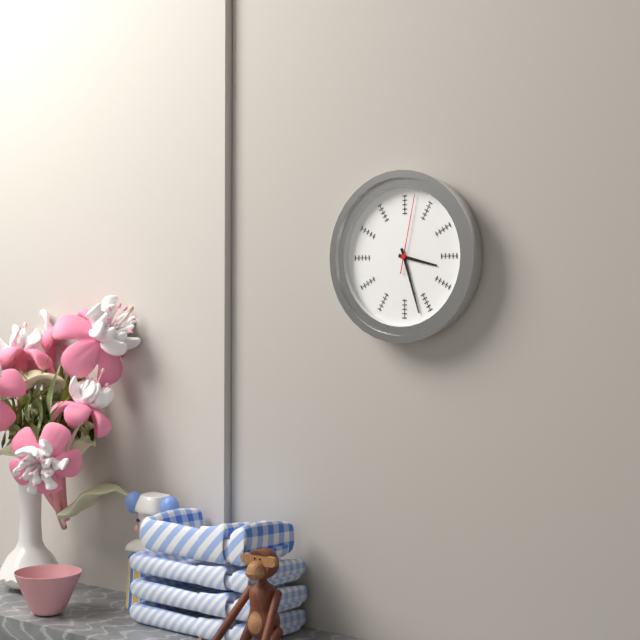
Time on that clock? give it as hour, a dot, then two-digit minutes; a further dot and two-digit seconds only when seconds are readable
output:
3.27.02
